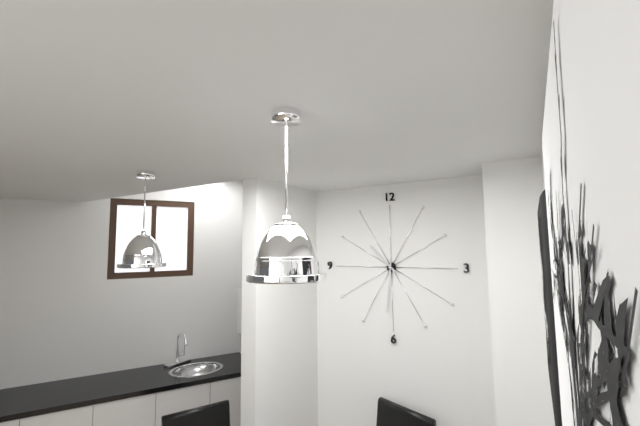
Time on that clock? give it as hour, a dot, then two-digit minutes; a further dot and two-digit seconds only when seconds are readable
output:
10.31
